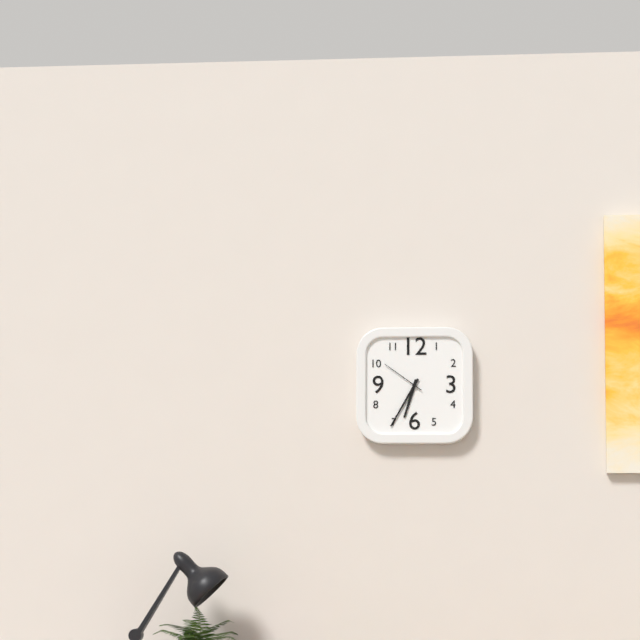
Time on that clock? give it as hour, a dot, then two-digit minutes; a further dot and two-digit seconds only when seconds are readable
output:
6.35
